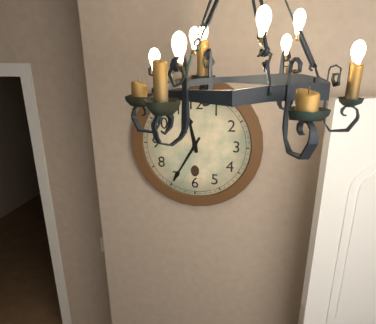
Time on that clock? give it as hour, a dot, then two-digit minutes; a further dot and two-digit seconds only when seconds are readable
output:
11.35
